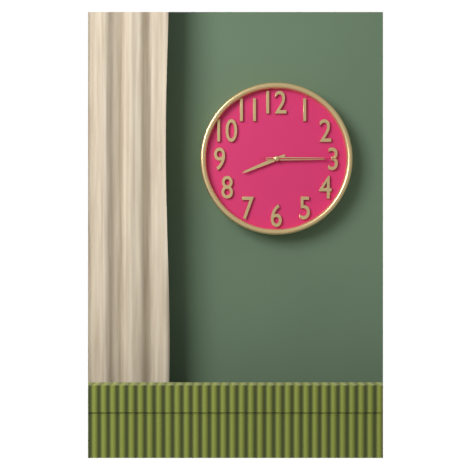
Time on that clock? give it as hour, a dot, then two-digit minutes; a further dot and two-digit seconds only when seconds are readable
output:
8.15.15
